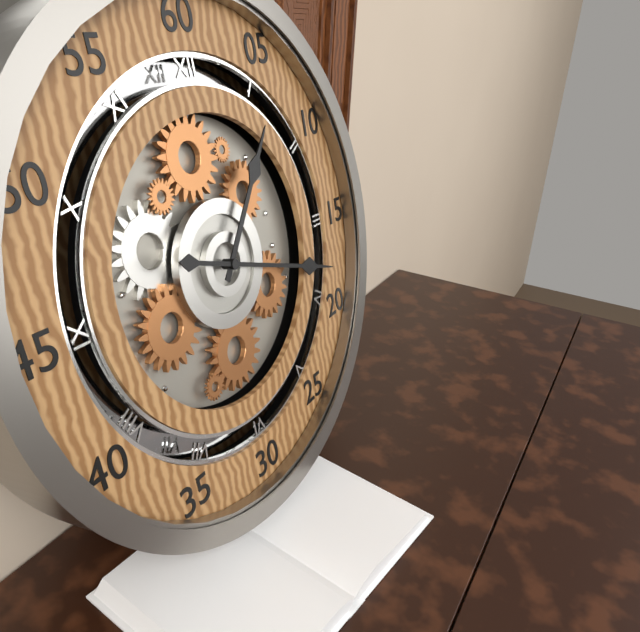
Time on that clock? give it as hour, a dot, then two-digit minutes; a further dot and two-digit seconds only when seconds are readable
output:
1.18
